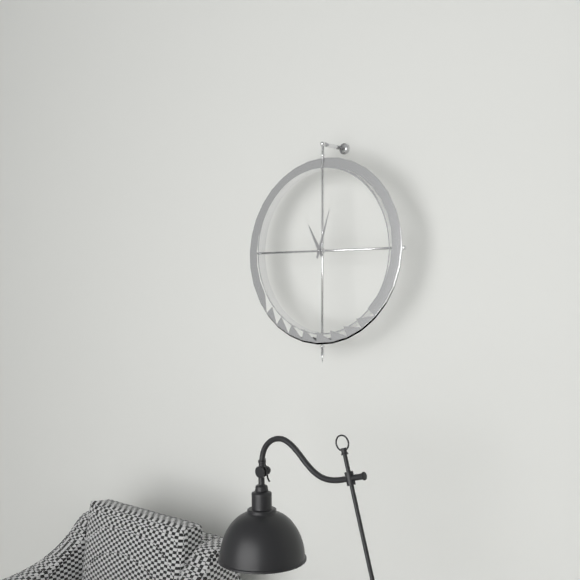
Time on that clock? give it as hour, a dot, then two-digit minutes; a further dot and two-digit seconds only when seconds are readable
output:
11.03
